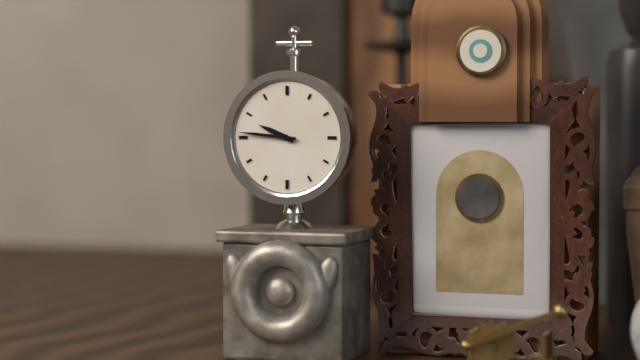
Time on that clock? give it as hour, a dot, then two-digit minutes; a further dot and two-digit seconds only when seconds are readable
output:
9.46
